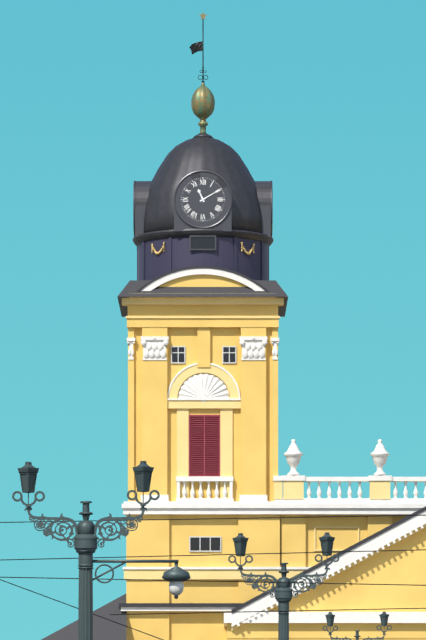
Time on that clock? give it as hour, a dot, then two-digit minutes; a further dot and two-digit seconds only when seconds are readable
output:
11.10
